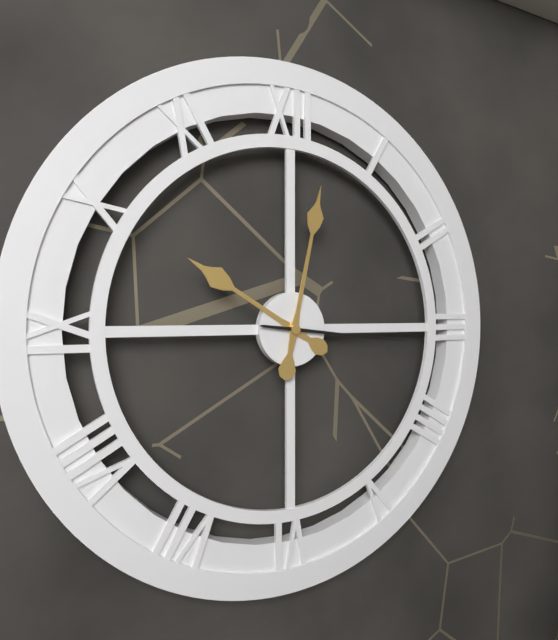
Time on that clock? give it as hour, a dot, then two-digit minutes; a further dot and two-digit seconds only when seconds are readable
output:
10.02.16
